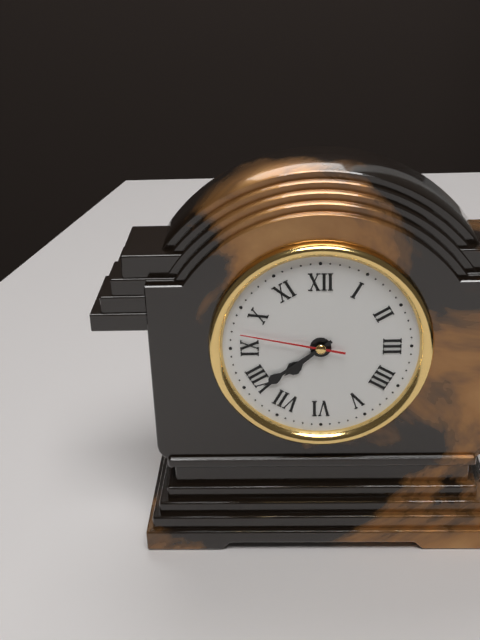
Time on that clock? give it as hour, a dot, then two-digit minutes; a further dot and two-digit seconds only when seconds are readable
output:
7.39.47
